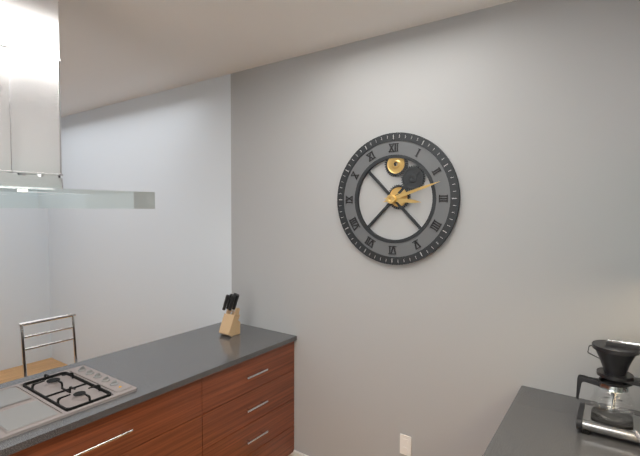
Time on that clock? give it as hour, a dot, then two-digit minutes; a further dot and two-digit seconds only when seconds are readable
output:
3.12
